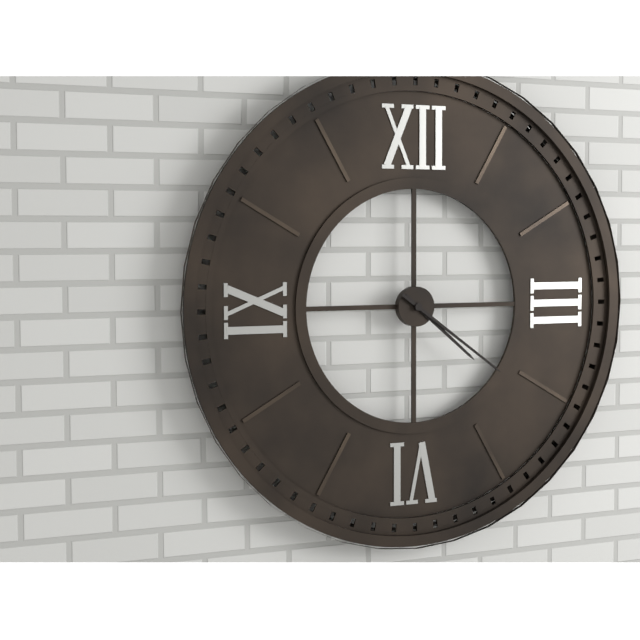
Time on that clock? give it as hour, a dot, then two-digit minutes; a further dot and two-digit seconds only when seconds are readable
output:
4.21
